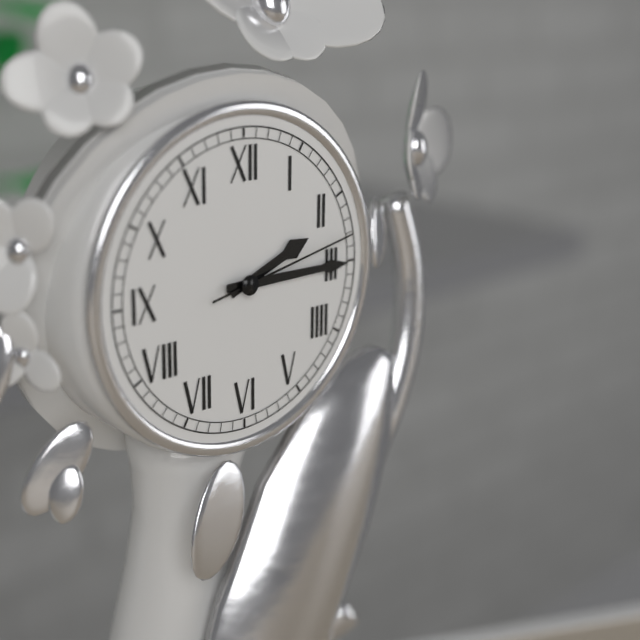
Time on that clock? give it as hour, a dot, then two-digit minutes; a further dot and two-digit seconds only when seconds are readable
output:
2.15.13
